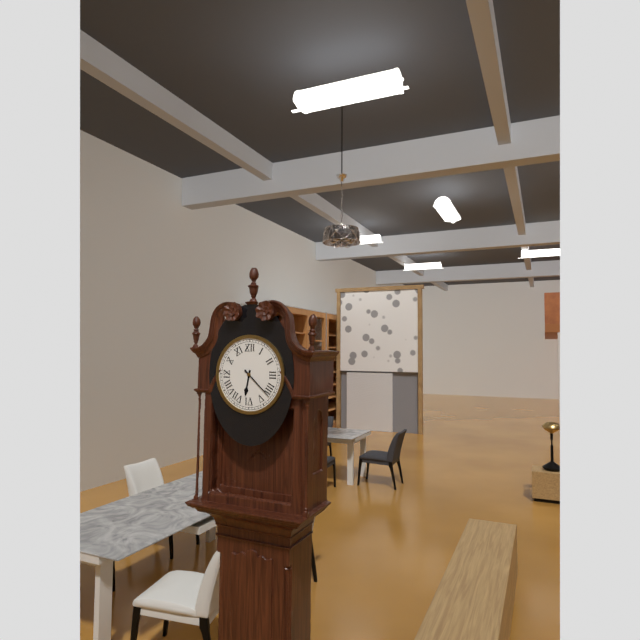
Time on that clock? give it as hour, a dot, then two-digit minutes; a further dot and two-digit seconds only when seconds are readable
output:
6.22
